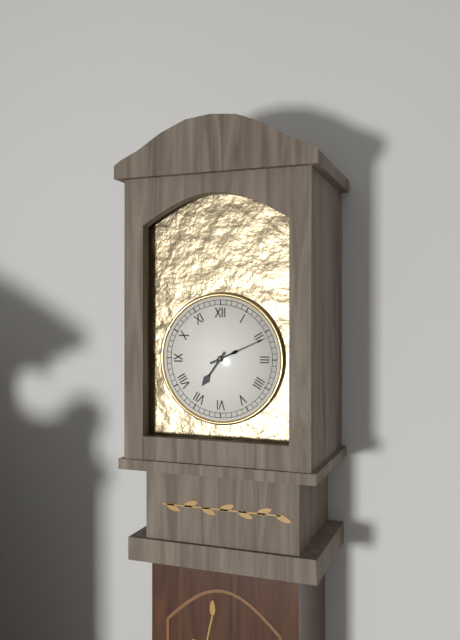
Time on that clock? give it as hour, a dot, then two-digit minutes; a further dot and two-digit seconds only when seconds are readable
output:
7.11
